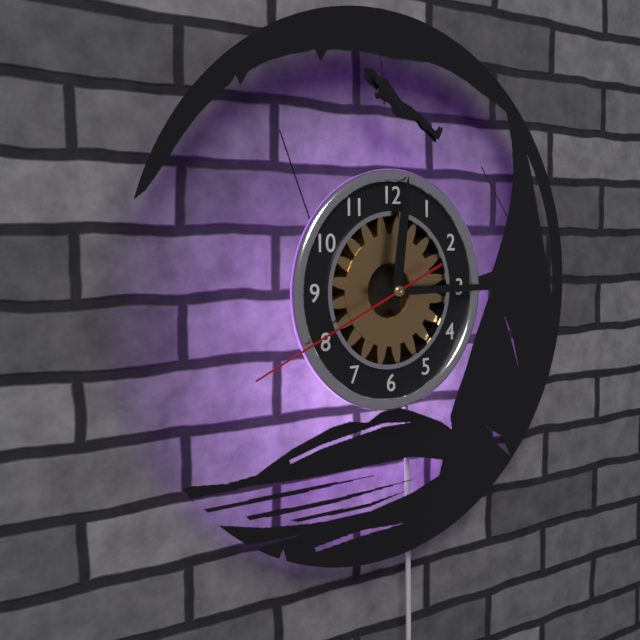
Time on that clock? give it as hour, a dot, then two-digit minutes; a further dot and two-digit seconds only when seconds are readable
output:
12.15.41
